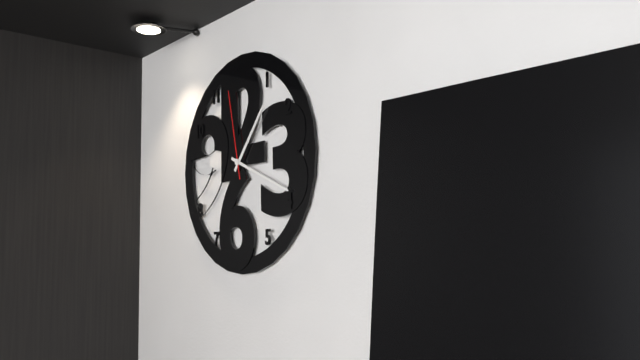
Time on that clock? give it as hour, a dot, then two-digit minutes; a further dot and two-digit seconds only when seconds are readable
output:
1.19.58
